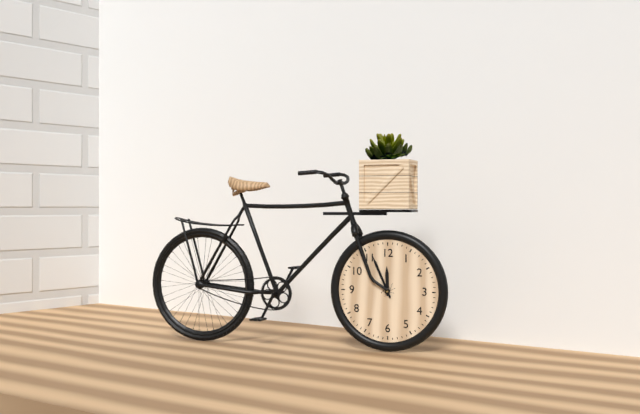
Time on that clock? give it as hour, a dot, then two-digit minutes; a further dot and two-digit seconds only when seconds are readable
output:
11.56
